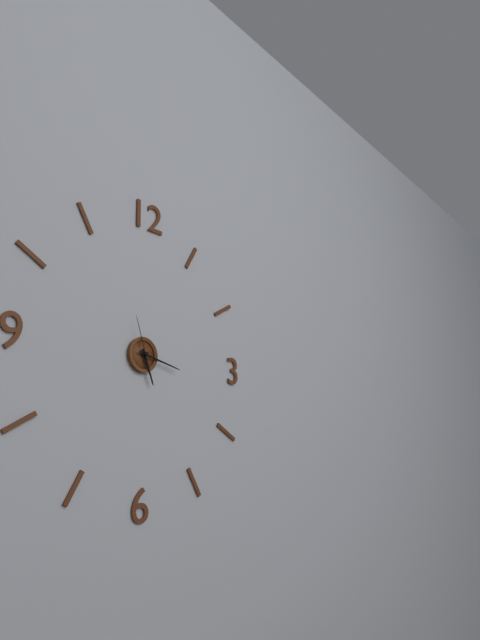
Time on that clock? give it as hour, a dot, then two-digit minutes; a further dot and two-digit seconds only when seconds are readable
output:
5.17
